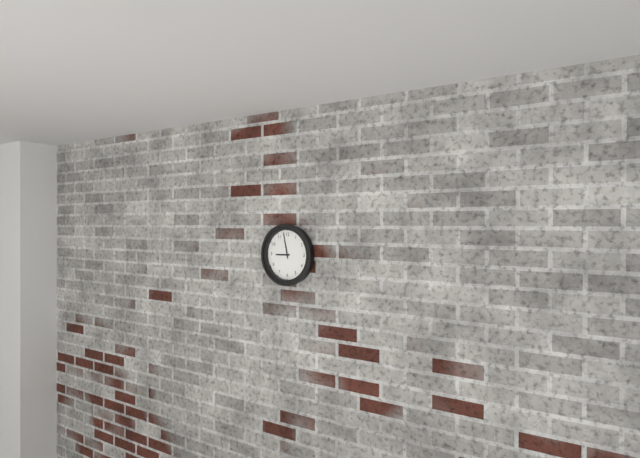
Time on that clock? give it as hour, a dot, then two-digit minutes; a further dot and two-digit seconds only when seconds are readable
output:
8.58
